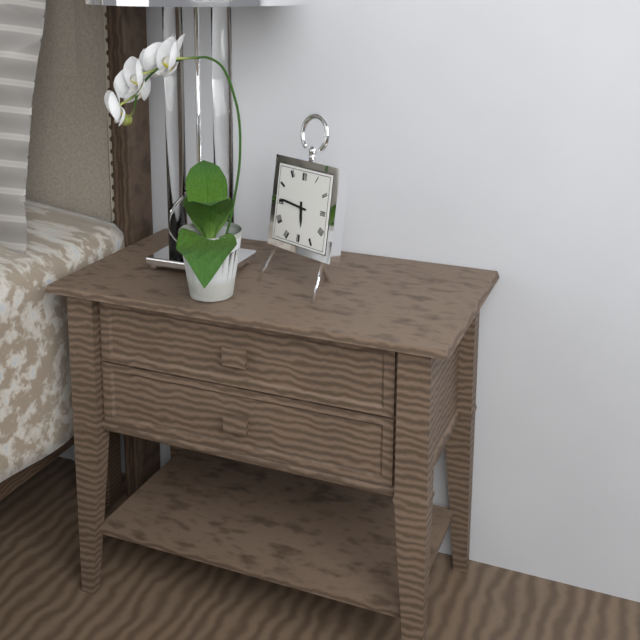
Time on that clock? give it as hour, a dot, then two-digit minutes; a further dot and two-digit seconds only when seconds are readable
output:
5.46
